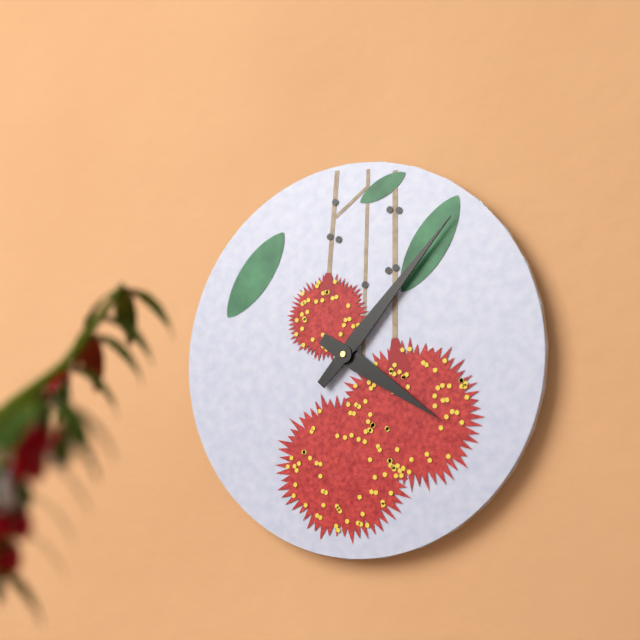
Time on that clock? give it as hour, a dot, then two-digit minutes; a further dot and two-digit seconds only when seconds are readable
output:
4.07
